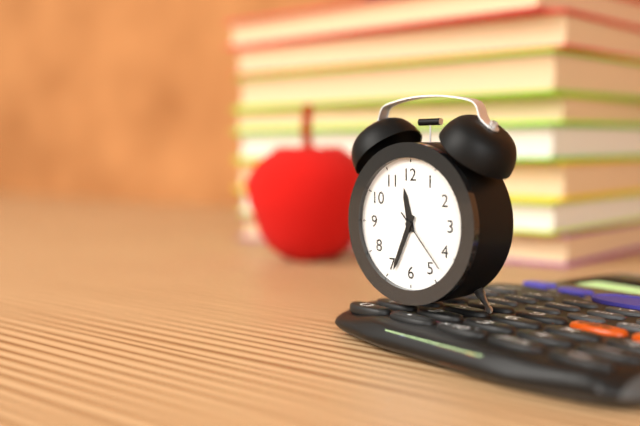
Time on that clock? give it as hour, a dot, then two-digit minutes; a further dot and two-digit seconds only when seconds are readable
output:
11.34.23
